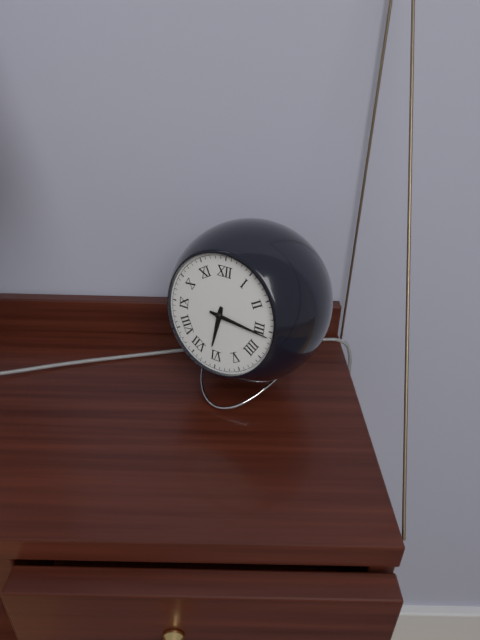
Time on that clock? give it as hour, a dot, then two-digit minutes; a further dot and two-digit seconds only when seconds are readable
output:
6.16
